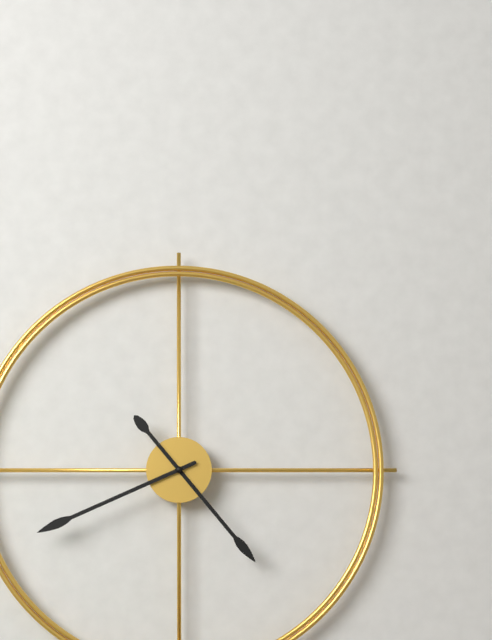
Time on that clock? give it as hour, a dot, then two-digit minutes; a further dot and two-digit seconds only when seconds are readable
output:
4.41
